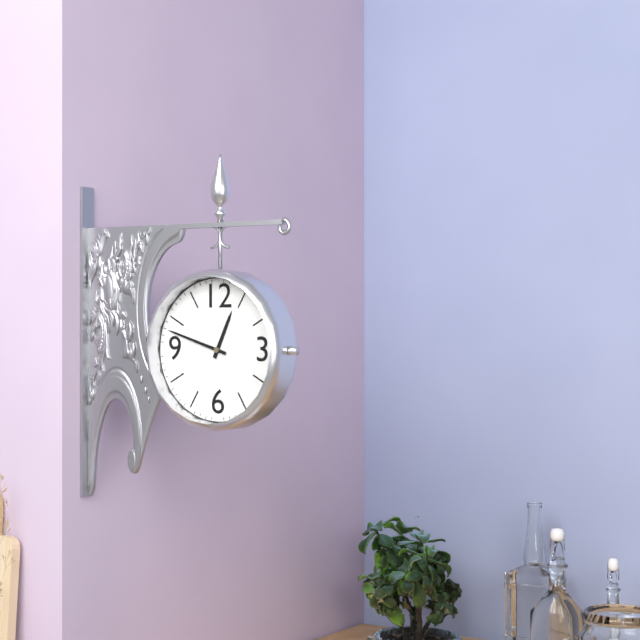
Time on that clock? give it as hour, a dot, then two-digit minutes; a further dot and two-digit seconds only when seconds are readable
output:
12.48
